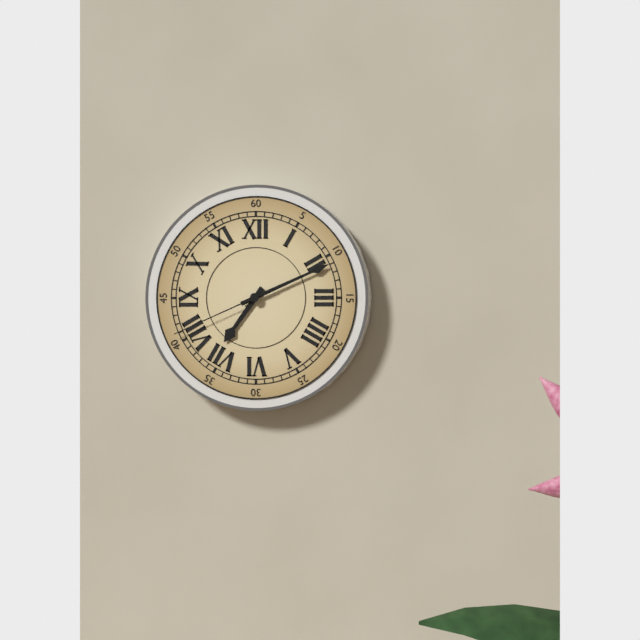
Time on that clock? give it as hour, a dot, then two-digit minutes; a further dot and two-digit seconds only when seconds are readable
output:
7.11.41
